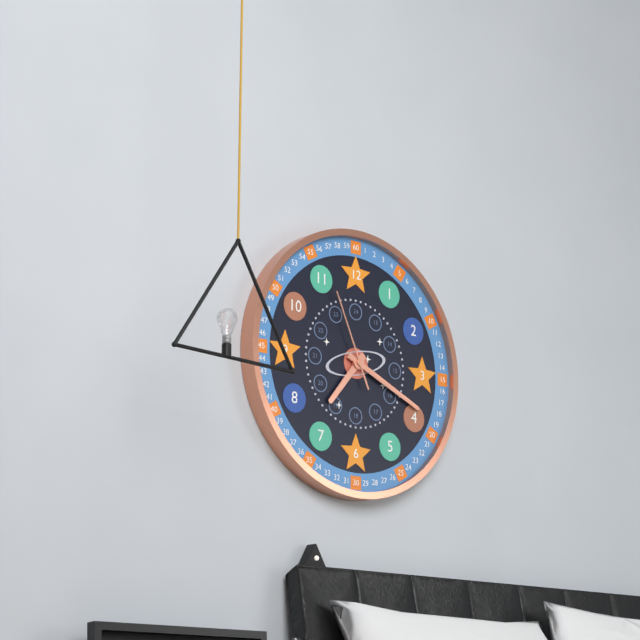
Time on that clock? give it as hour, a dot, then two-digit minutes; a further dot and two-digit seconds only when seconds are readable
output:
7.19.56
